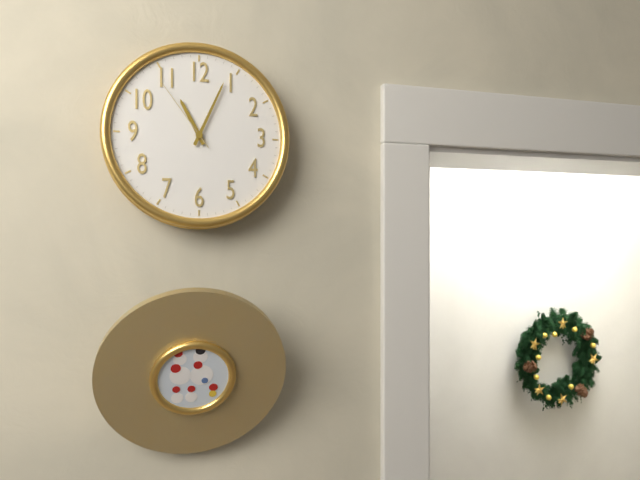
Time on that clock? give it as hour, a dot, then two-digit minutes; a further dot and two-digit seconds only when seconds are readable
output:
11.04.54
